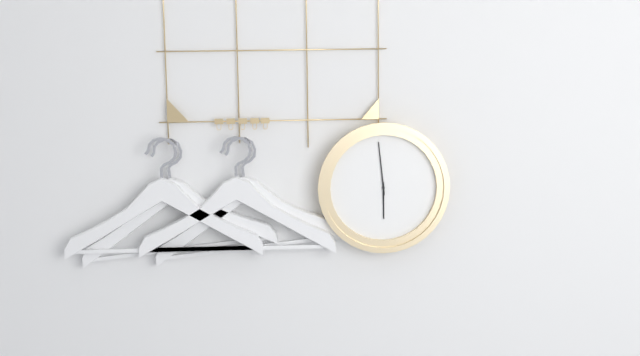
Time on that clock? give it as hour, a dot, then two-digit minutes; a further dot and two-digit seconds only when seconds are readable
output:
5.59
